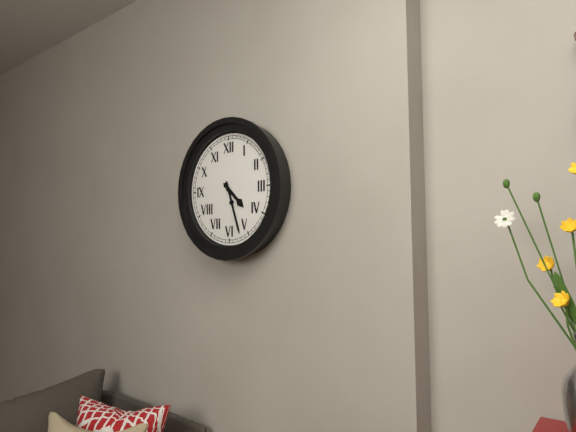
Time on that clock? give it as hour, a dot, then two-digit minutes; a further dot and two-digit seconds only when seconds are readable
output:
4.27
